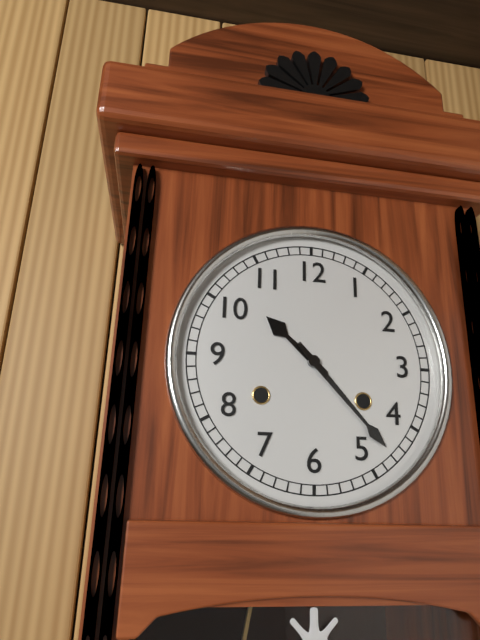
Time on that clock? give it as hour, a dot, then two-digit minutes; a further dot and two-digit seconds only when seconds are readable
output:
10.23
